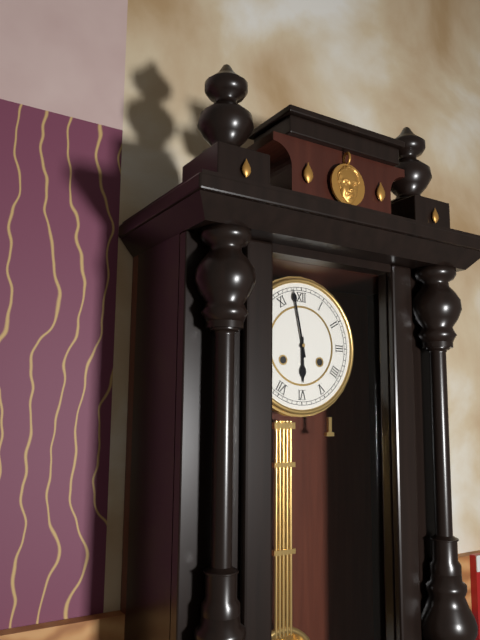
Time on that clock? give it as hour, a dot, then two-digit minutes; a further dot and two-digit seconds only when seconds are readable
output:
5.58
